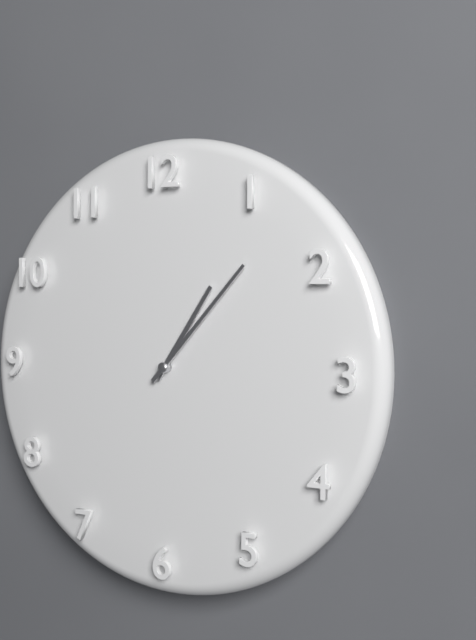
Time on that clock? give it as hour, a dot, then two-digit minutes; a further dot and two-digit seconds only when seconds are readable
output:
1.07
